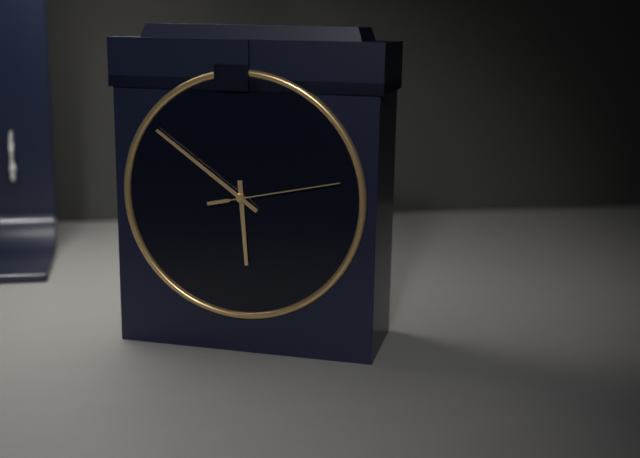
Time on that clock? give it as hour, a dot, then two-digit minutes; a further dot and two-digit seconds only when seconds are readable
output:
5.51.13
